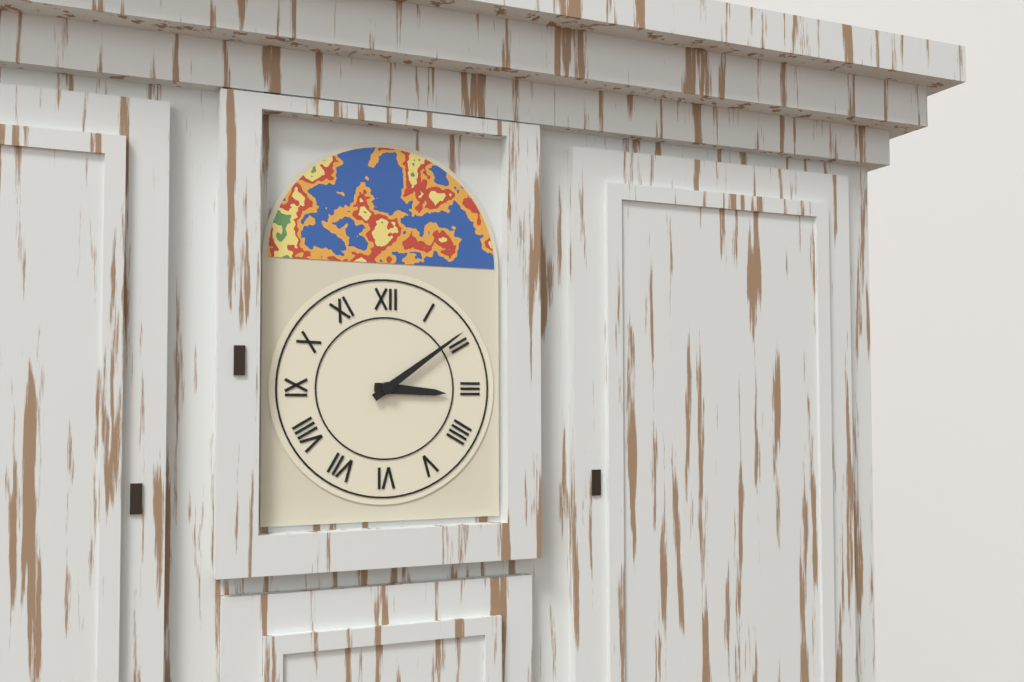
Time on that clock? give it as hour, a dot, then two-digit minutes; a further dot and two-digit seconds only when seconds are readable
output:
3.09
